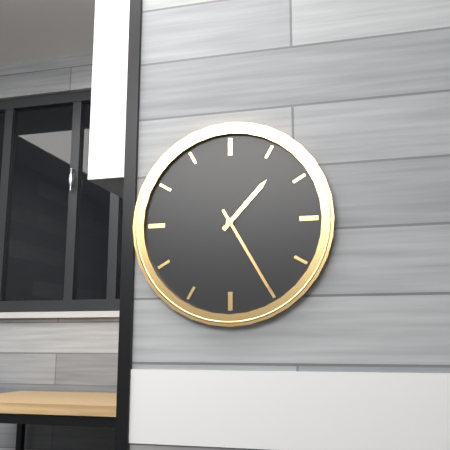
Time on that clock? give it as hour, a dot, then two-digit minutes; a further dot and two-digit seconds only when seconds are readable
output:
1.25
